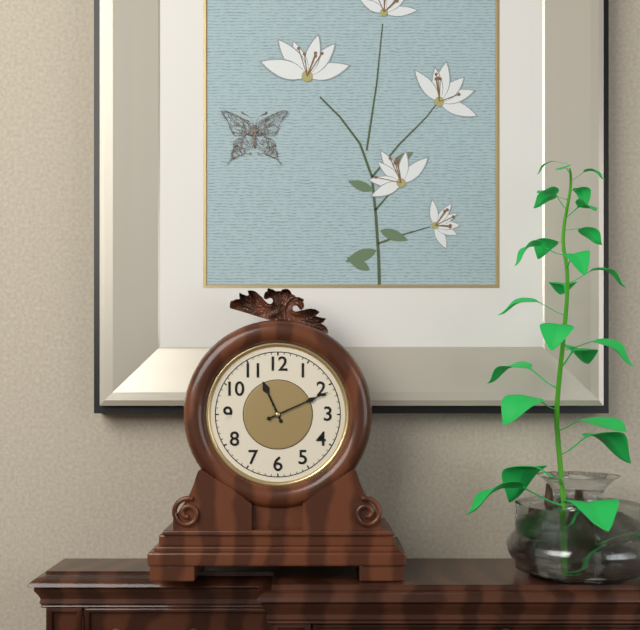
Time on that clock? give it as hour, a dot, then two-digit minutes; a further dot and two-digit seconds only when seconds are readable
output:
11.11
